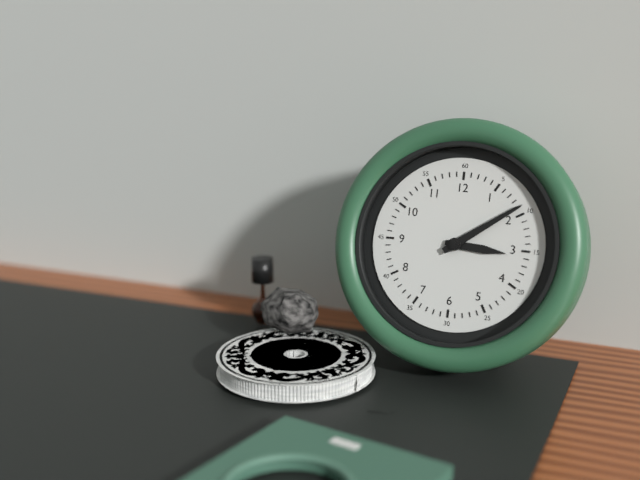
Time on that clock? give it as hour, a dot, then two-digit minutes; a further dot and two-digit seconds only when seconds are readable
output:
3.09
